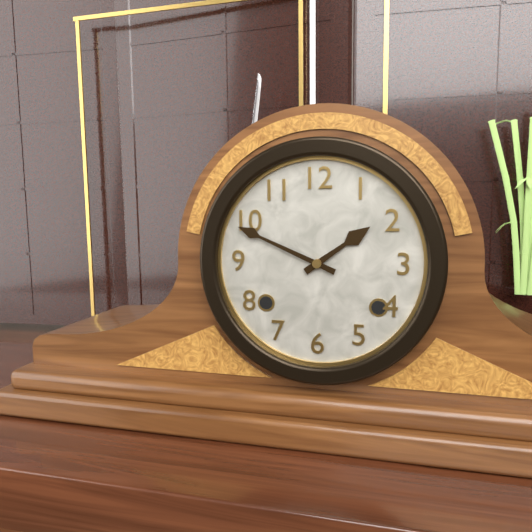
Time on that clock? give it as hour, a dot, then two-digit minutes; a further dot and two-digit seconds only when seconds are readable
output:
1.49
